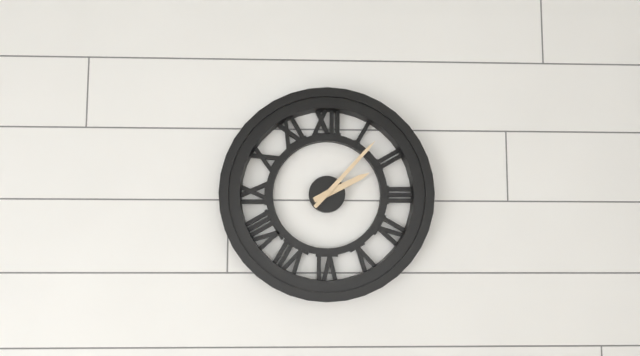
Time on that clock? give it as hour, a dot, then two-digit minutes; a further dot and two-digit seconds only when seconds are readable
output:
2.07
